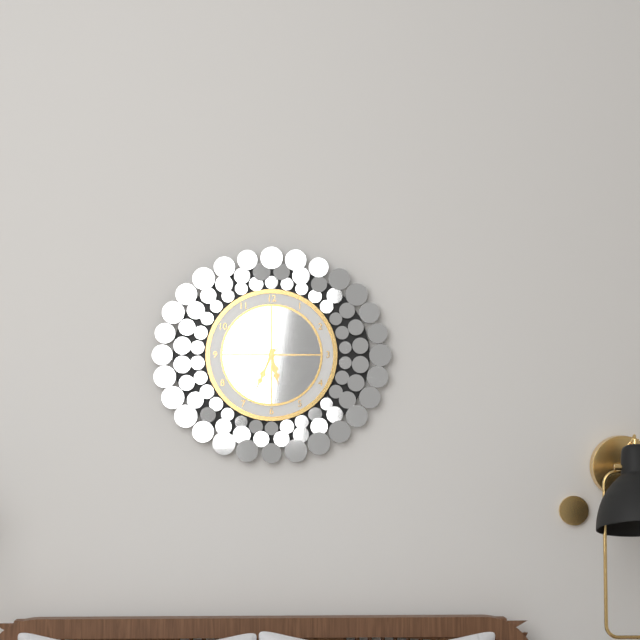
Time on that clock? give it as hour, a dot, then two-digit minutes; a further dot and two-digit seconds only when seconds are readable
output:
5.34.37
